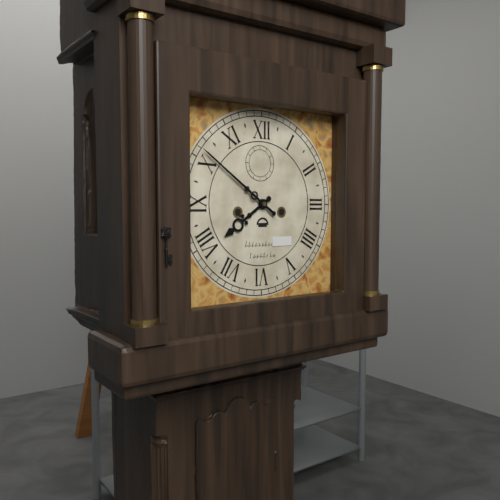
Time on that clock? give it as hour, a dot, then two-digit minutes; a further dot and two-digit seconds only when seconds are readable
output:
7.51
